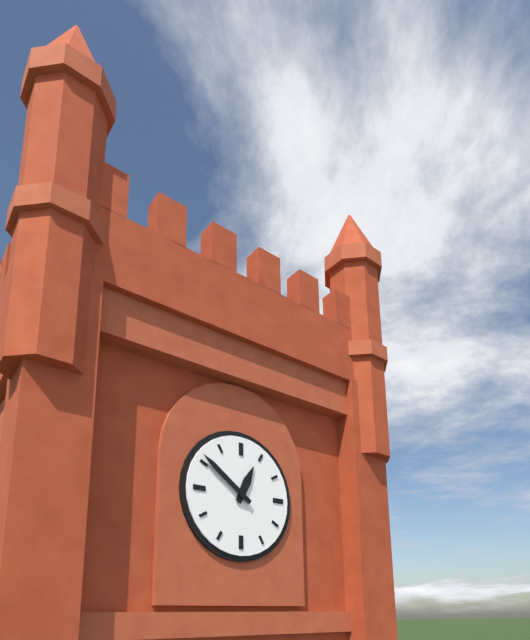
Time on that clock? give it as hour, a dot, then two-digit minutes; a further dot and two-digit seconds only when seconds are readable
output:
12.51
